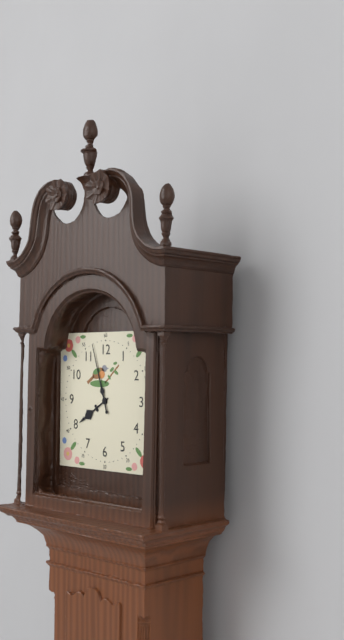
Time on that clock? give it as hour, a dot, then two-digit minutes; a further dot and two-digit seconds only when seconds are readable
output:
7.57
